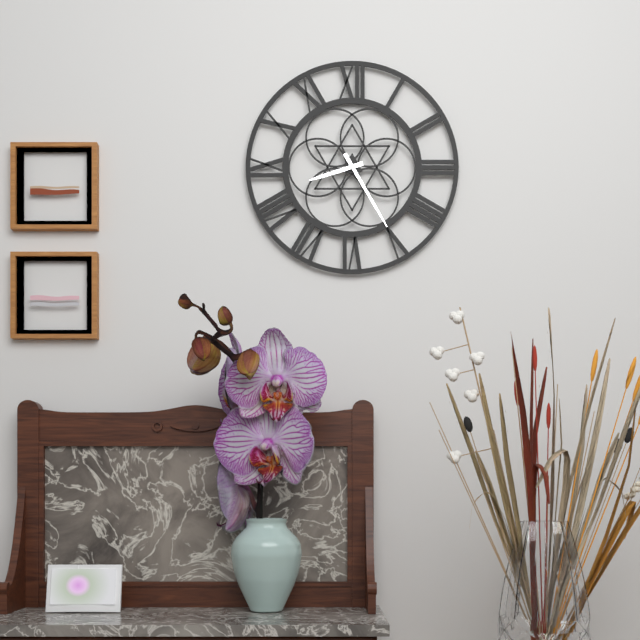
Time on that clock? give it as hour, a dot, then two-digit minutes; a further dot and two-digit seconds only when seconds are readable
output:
8.25
